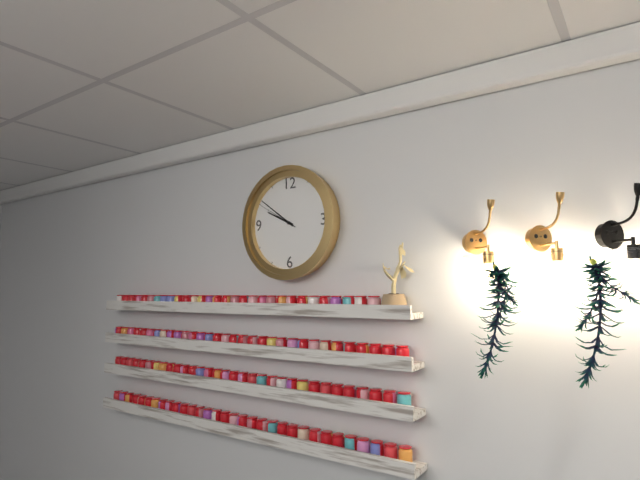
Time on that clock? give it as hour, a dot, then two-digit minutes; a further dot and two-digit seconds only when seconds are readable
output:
9.51
